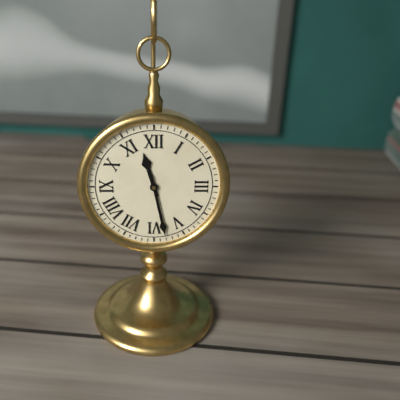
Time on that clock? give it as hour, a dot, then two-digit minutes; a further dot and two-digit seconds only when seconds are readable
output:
11.28
